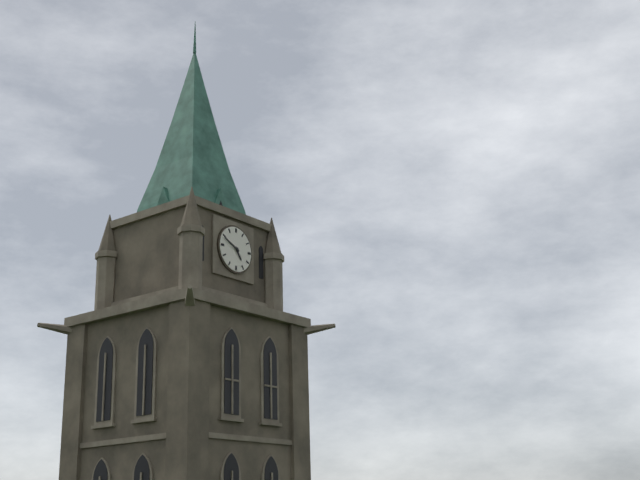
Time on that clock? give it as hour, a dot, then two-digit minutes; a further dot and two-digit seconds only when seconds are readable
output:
4.49
